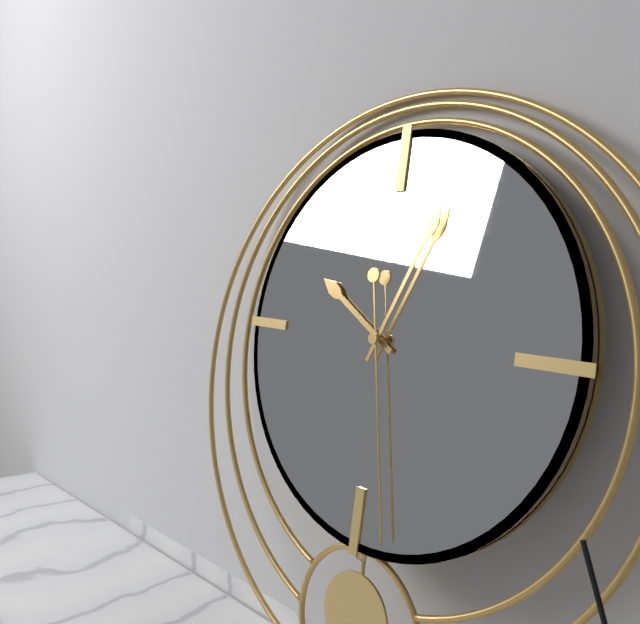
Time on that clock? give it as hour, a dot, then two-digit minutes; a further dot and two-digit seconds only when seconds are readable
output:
10.04.28
